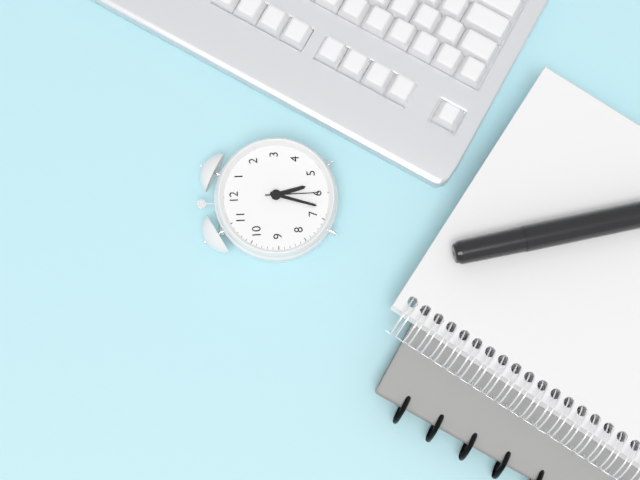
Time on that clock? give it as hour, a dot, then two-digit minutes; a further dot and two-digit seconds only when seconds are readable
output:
5.33.30
